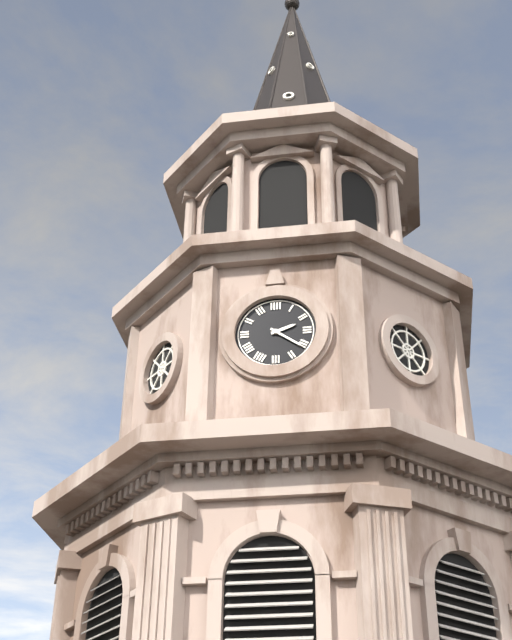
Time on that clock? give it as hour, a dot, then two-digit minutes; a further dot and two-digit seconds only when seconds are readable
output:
2.21
